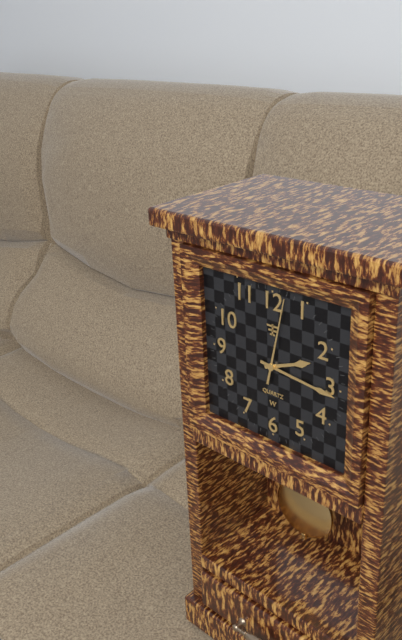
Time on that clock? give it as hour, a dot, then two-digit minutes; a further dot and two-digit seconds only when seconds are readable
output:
2.16.02
